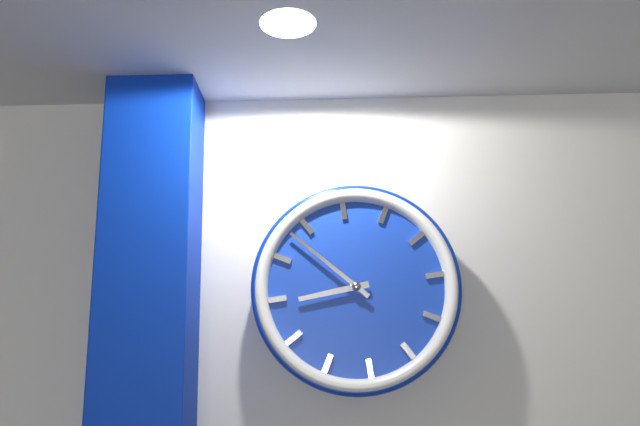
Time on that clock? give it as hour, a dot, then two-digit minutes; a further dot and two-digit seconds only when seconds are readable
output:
8.53
